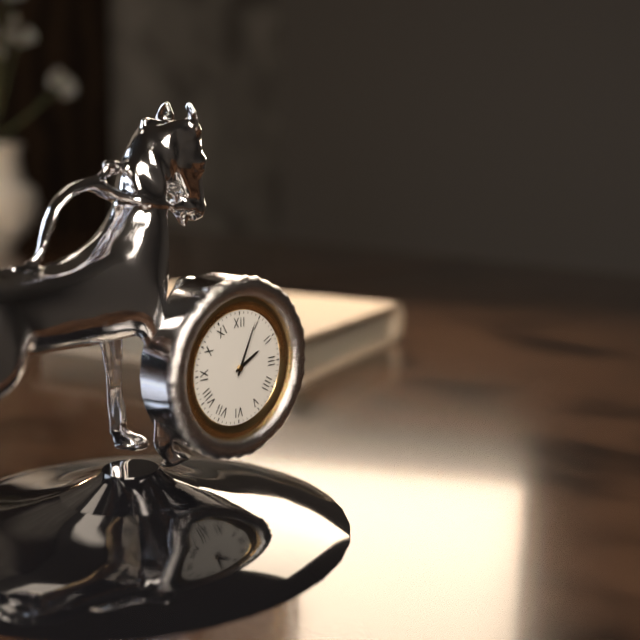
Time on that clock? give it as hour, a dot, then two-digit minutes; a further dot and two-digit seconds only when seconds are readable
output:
2.04
